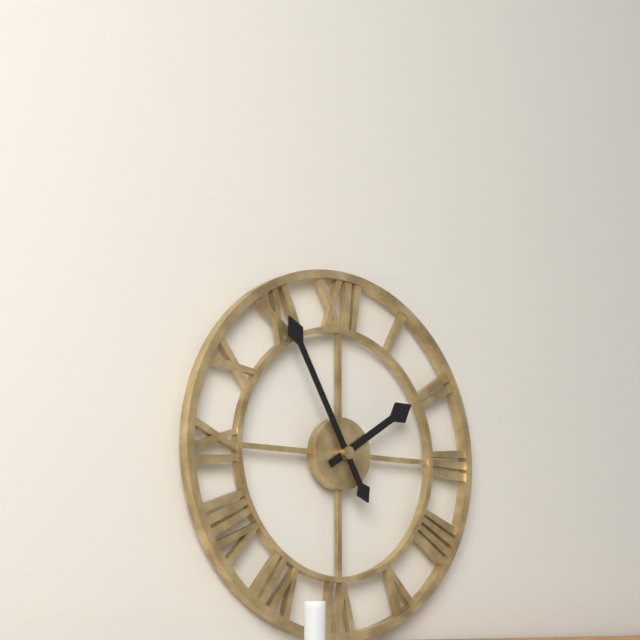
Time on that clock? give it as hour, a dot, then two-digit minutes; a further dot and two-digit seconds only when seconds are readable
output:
1.55
